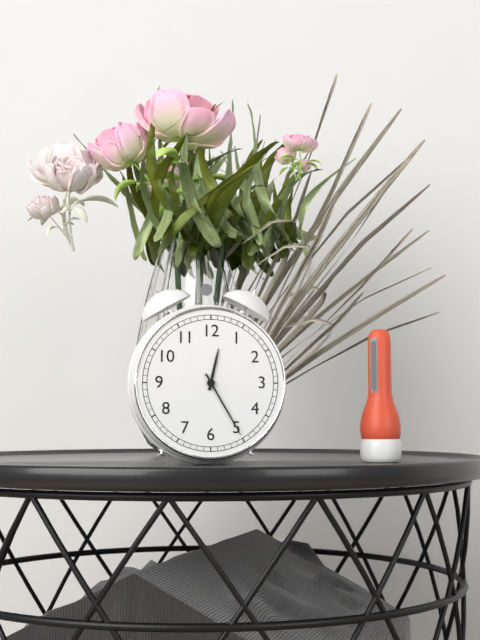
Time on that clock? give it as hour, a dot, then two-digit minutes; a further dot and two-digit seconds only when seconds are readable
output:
12.25
